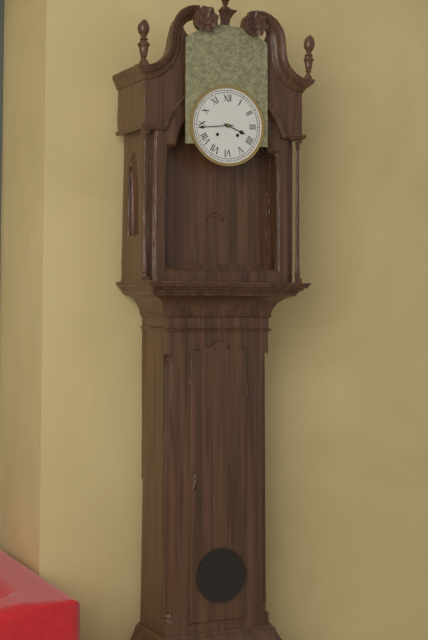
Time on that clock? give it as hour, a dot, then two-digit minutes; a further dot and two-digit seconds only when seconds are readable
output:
3.44
